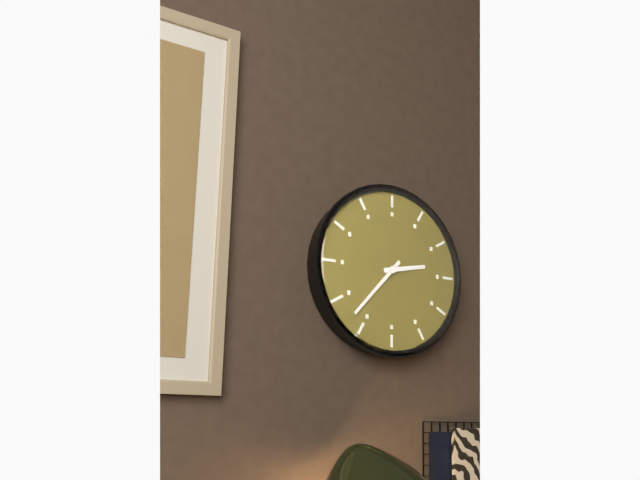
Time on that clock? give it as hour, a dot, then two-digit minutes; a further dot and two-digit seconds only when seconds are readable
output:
2.37
